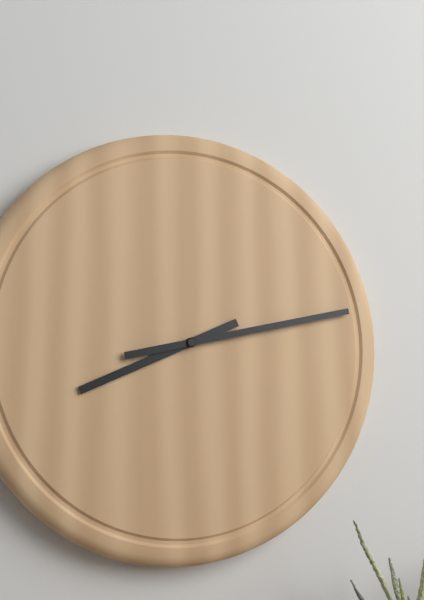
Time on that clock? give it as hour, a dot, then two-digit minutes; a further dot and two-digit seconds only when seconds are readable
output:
8.13
